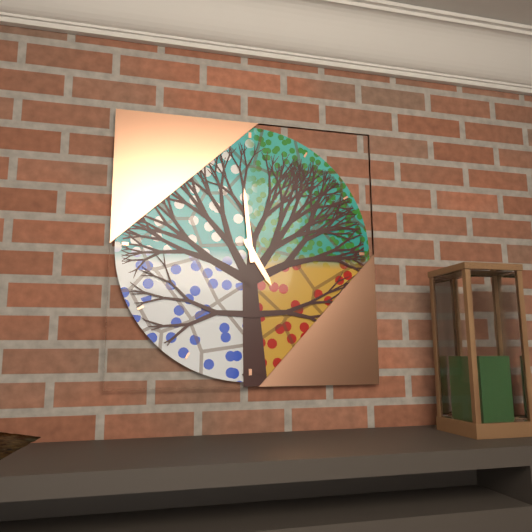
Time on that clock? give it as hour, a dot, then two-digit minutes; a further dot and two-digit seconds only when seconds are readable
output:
4.59
